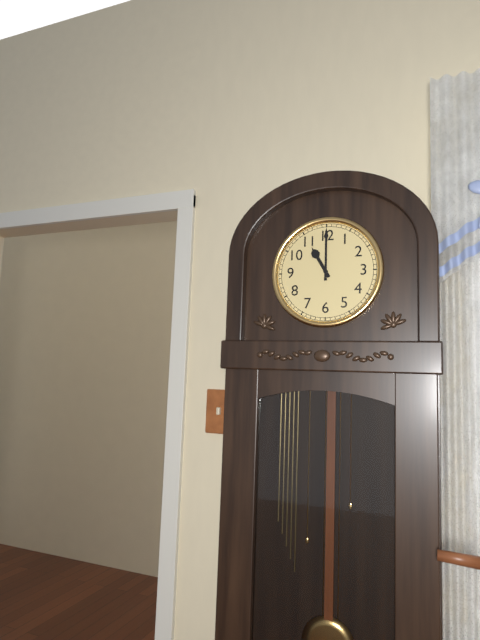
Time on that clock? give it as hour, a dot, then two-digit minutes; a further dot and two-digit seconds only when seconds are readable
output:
11.00
